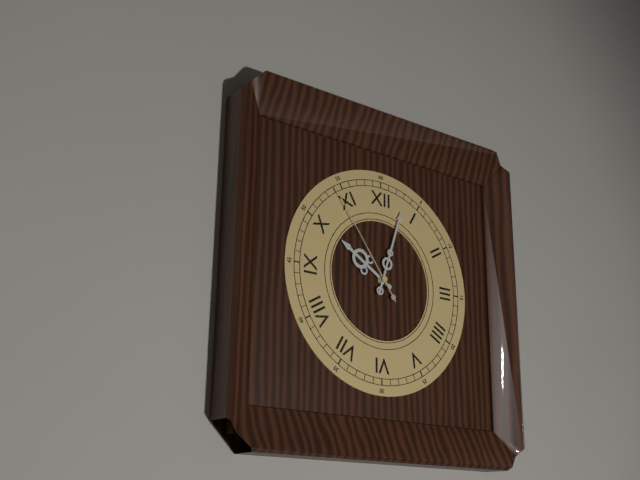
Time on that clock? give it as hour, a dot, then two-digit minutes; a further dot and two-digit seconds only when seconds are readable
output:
10.03.54
